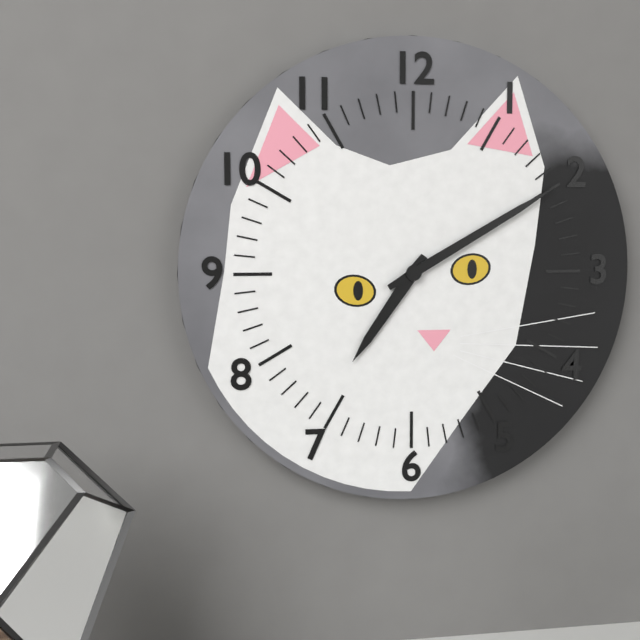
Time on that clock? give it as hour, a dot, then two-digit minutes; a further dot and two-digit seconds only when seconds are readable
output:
7.10
